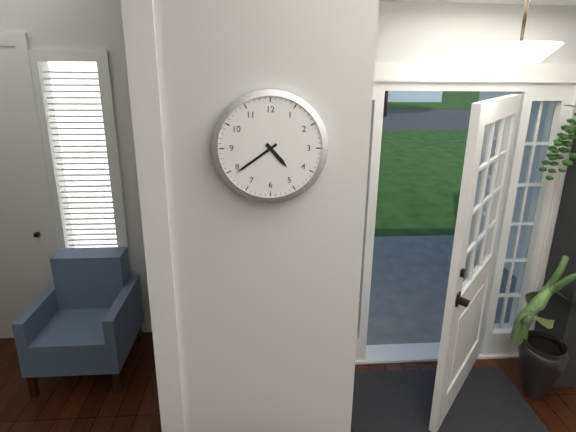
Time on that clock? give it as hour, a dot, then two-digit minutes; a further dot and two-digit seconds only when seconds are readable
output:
4.39
